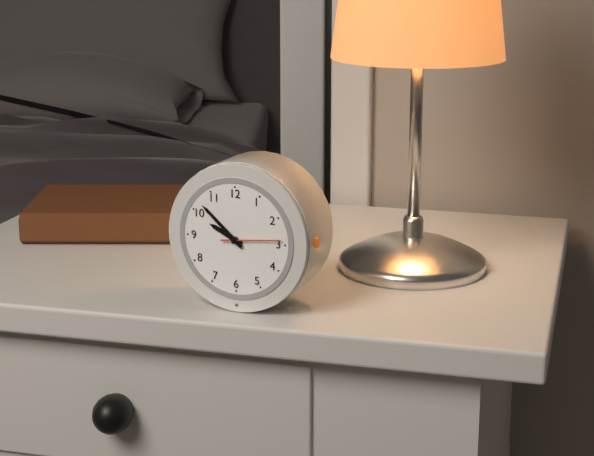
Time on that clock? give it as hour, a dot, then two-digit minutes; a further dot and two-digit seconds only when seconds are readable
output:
9.52.14
